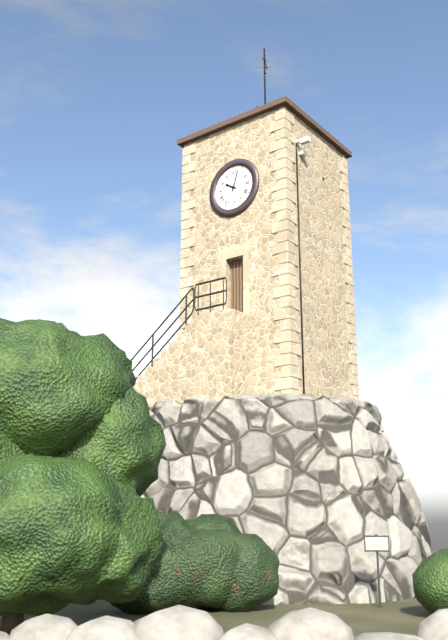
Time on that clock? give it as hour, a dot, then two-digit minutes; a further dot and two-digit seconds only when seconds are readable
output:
10.03
